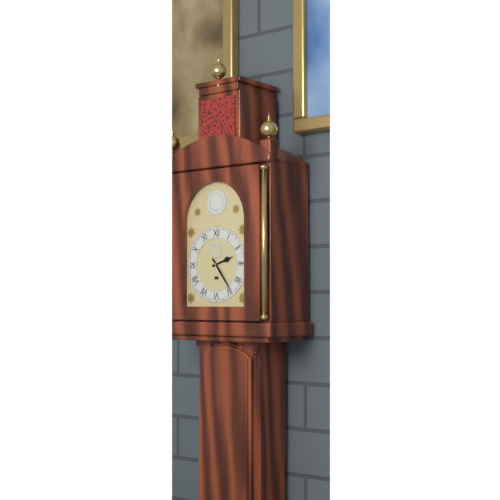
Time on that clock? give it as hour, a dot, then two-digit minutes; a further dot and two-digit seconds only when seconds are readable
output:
2.24
